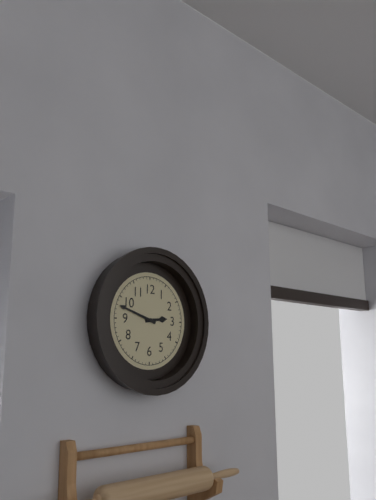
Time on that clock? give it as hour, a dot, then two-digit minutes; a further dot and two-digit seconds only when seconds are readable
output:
2.48
